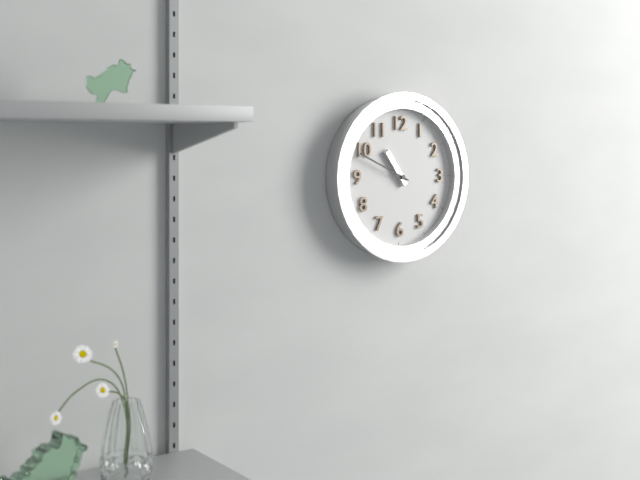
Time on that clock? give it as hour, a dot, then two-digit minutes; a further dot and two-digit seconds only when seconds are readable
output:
10.49
